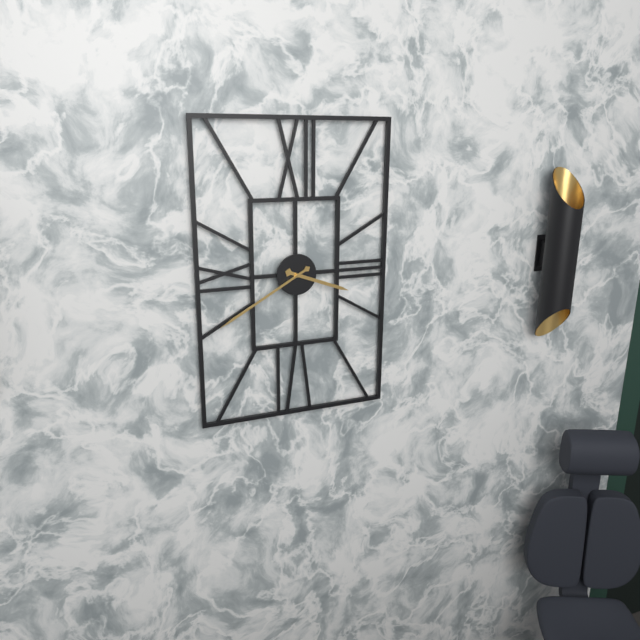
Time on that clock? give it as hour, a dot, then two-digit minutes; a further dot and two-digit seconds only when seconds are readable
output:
3.40
